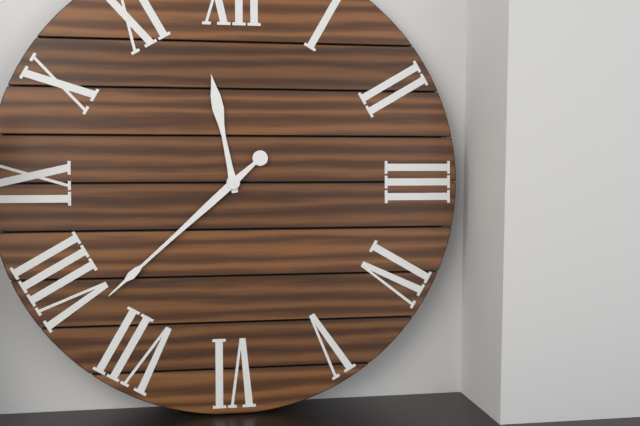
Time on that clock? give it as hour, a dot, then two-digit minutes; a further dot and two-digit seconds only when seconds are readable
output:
11.38
